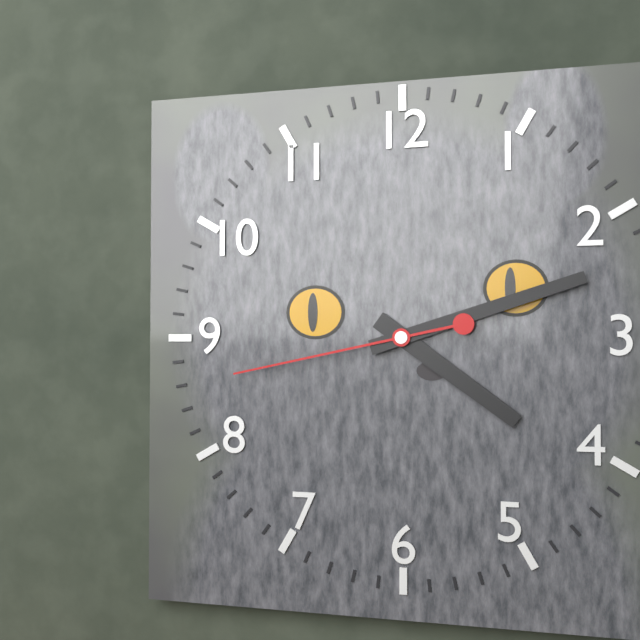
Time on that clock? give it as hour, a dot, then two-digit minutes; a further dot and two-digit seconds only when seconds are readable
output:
4.12.43
